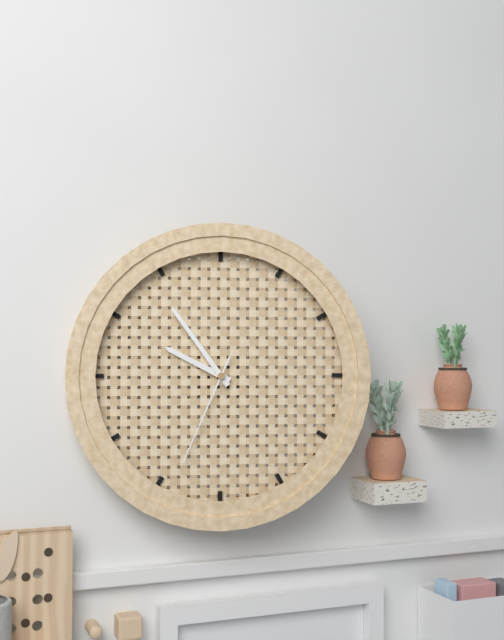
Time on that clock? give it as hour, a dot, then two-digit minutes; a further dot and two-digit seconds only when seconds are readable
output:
9.54.34
